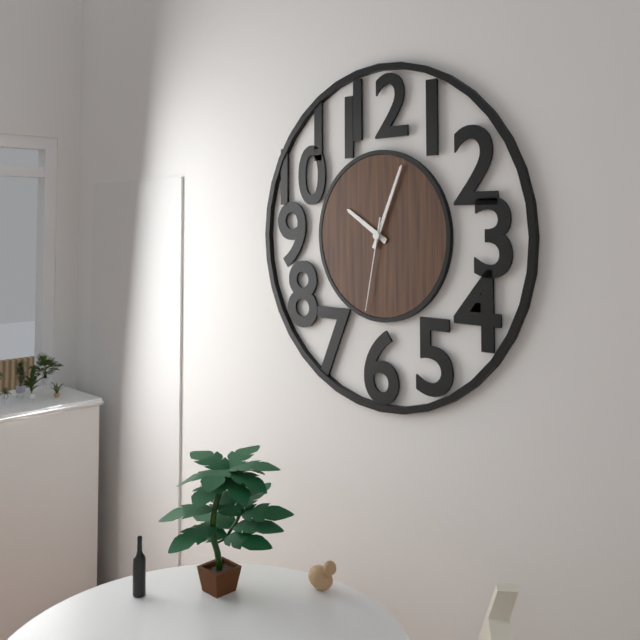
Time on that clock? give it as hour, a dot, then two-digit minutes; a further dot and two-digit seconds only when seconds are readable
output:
10.04.32
